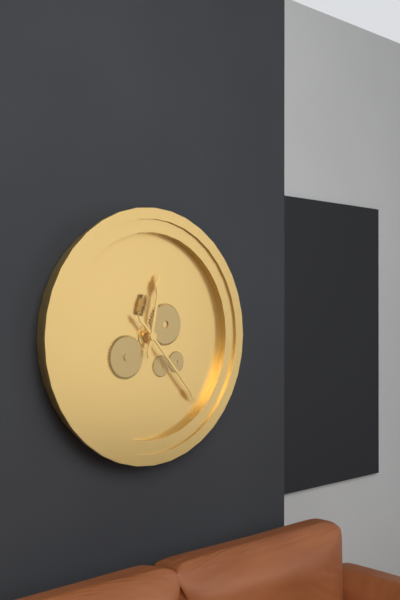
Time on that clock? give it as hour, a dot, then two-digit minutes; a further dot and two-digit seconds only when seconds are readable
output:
12.23
